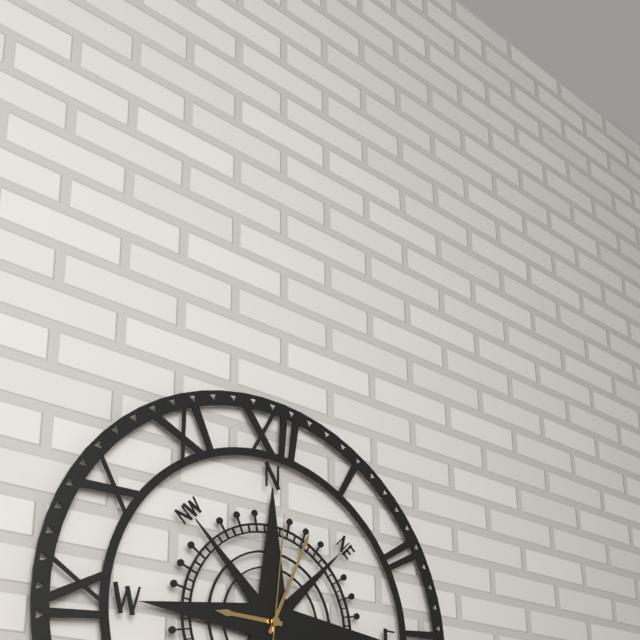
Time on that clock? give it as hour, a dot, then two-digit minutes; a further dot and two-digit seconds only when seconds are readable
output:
9.04.01
